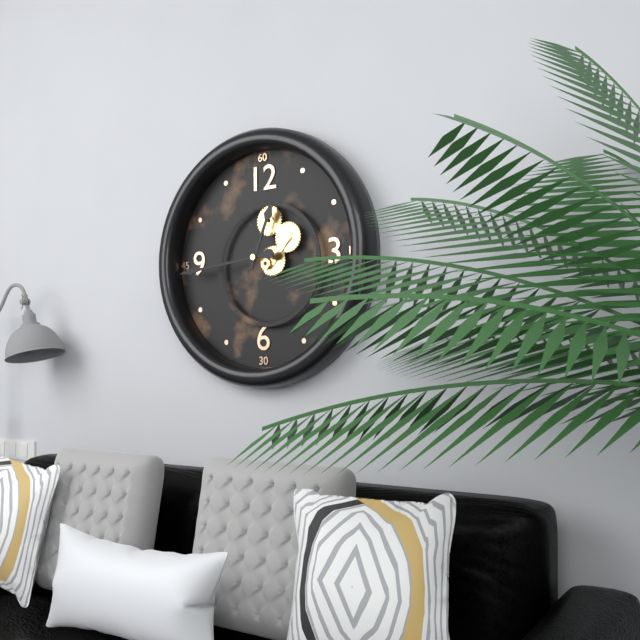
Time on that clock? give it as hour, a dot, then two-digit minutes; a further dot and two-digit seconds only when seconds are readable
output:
12.44
